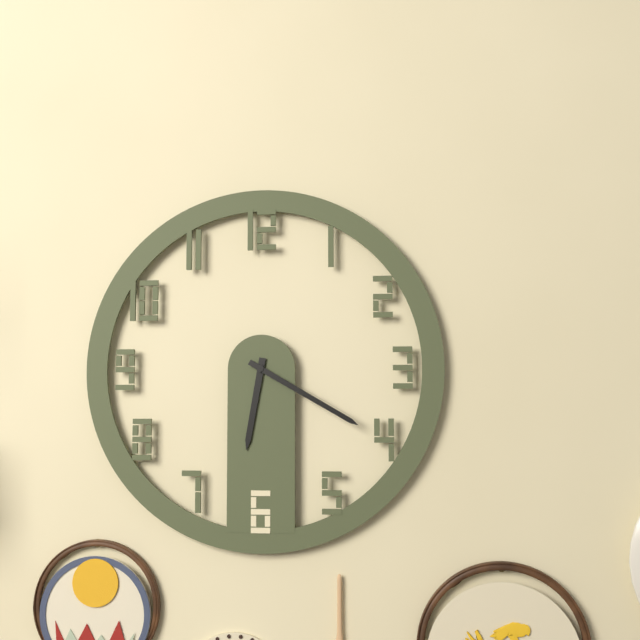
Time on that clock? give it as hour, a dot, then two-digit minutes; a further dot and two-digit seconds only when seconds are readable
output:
6.20
